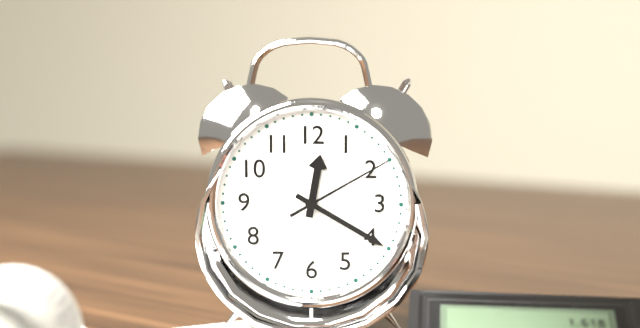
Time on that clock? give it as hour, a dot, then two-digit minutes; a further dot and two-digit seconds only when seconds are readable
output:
12.20.10
